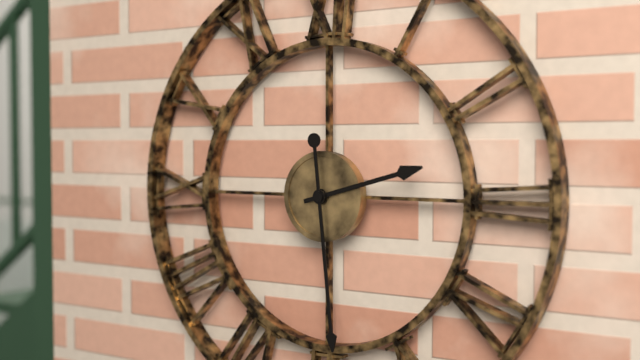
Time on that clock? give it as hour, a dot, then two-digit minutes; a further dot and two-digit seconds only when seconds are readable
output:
2.29
